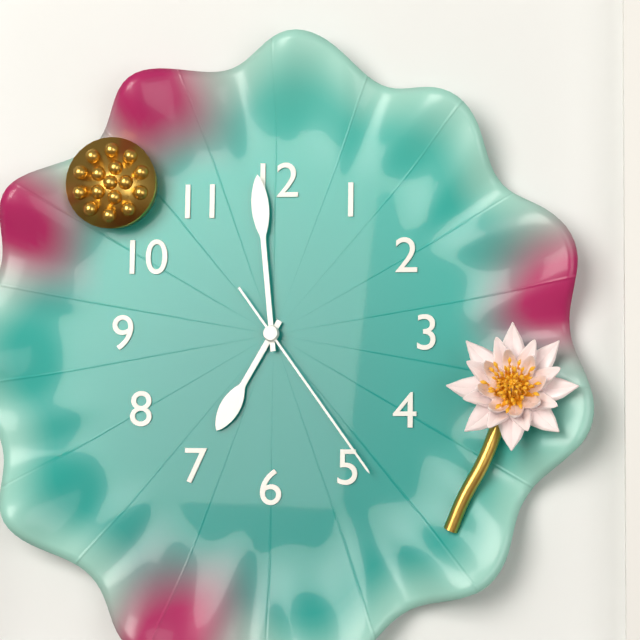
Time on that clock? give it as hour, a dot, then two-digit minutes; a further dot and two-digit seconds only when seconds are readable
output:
6.59.24
